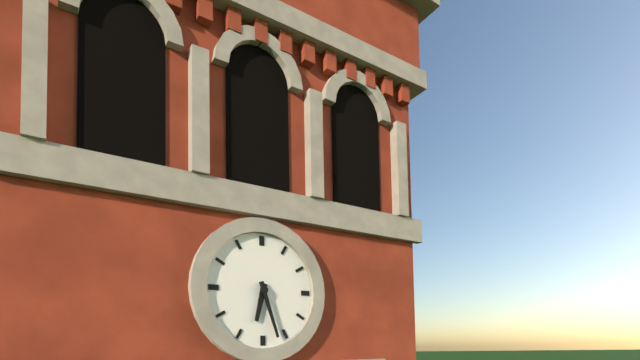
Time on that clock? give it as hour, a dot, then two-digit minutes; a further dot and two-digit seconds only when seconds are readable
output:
6.27
